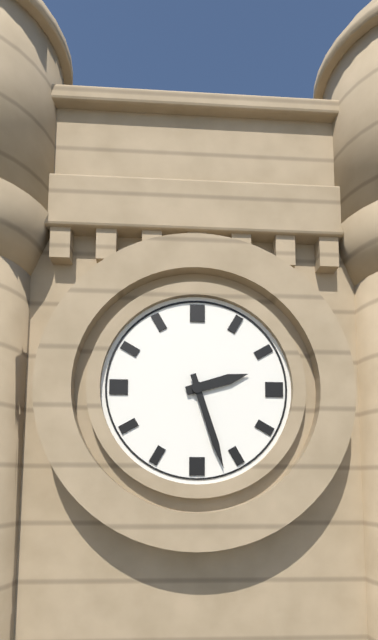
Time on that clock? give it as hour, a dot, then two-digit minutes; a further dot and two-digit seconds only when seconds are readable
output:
2.27
